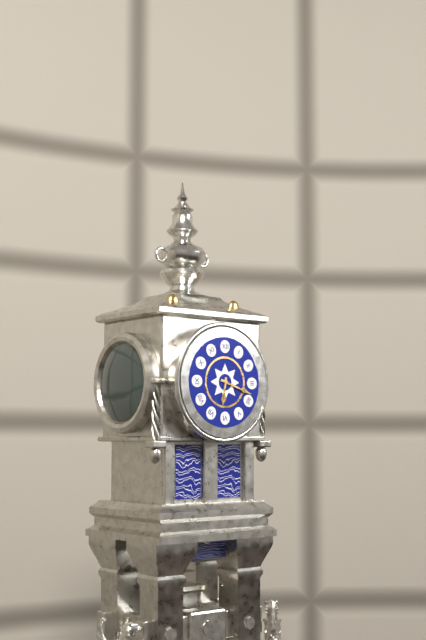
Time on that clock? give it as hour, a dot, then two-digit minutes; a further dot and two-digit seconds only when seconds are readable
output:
6.18
